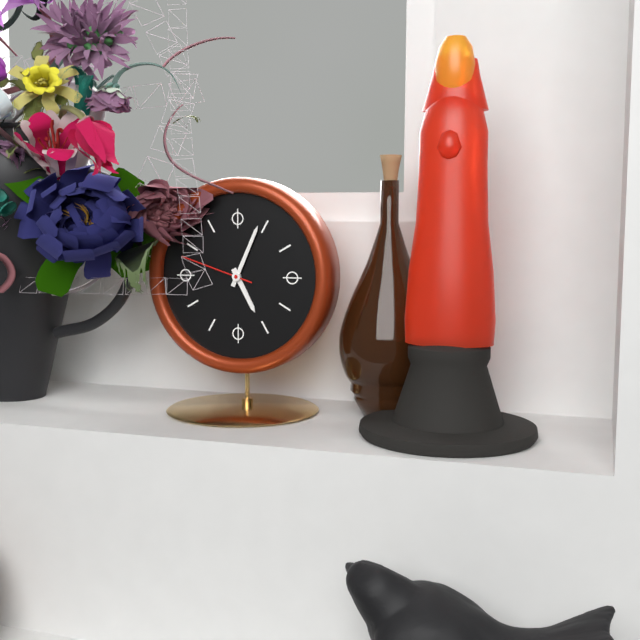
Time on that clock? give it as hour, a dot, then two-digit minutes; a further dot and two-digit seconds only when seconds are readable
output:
5.04.48
